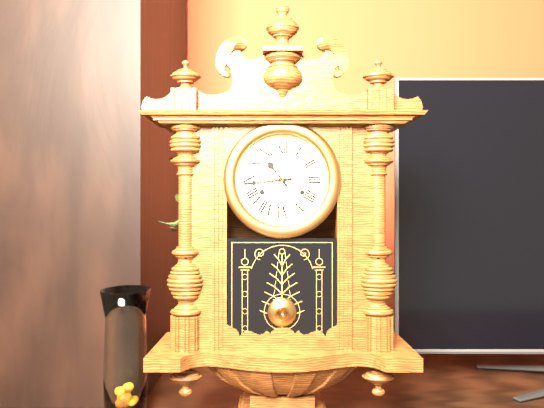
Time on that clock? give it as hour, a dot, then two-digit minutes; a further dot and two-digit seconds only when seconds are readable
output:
10.44
